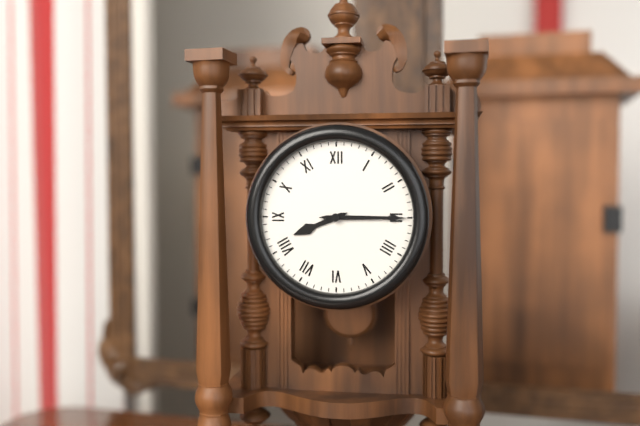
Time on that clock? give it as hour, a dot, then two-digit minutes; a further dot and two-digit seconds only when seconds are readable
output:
8.15
